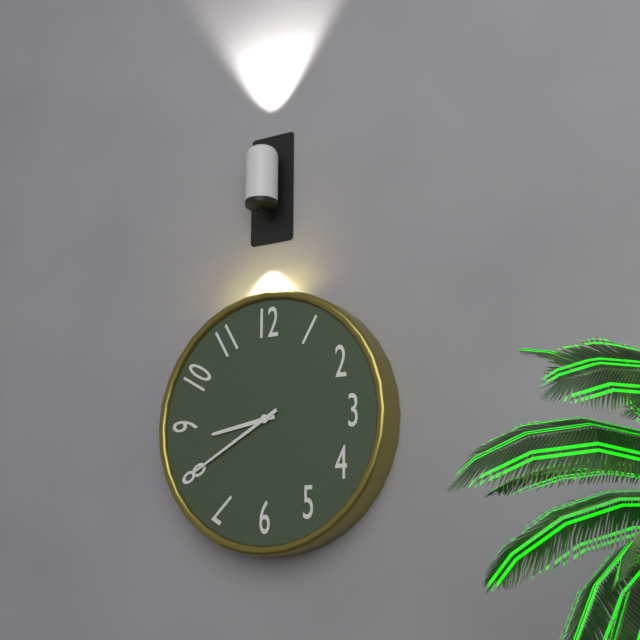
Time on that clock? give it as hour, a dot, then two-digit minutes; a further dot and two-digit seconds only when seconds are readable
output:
8.40
